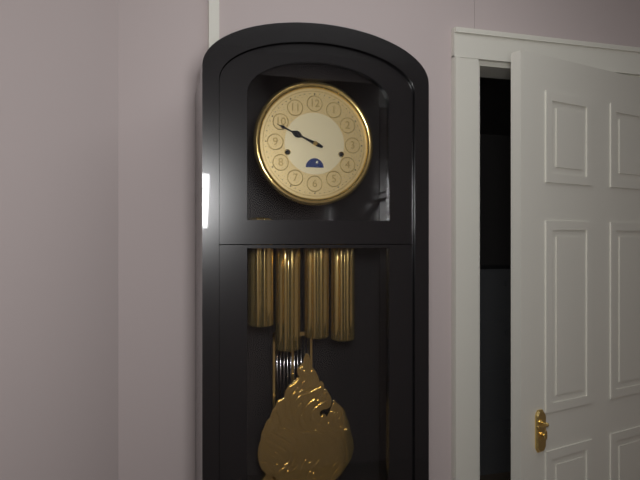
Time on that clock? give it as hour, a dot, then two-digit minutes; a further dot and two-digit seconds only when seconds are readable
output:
9.49
